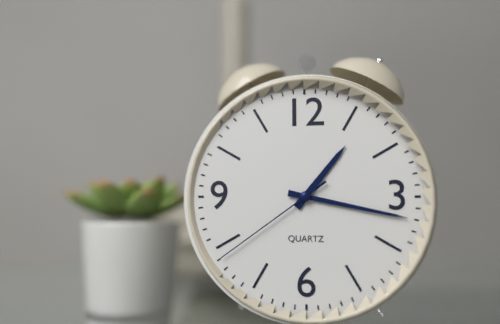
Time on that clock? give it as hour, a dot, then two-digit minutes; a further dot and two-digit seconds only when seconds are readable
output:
1.17.39
